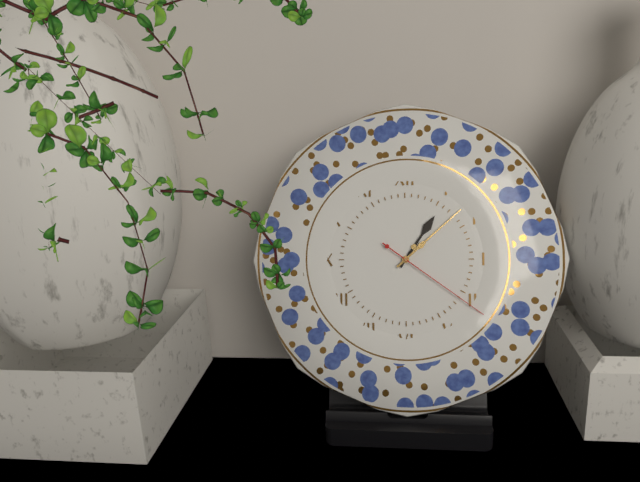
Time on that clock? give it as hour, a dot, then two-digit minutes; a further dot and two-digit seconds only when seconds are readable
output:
1.08.21
